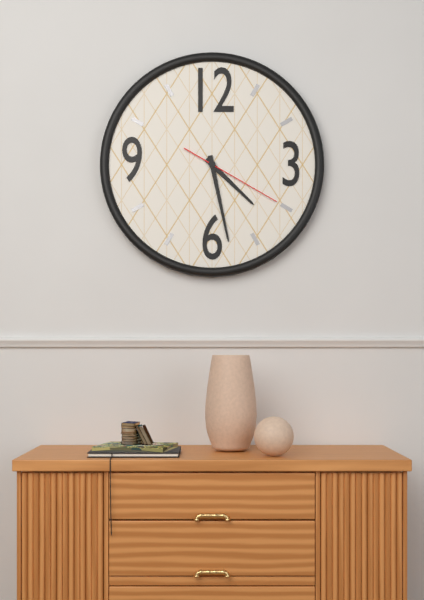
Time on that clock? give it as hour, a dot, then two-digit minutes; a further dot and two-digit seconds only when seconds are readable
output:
4.28.20
